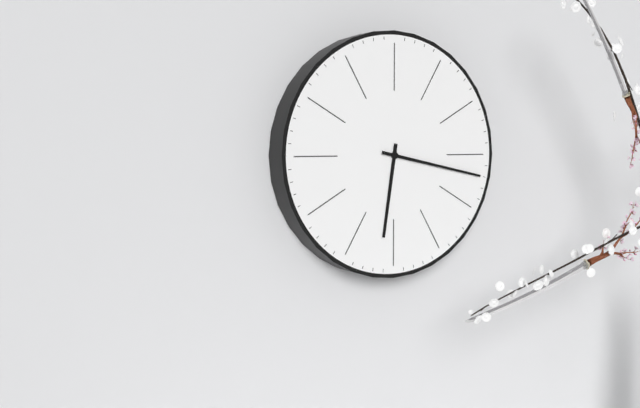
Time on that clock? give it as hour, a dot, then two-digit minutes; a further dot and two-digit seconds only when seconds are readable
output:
6.17
